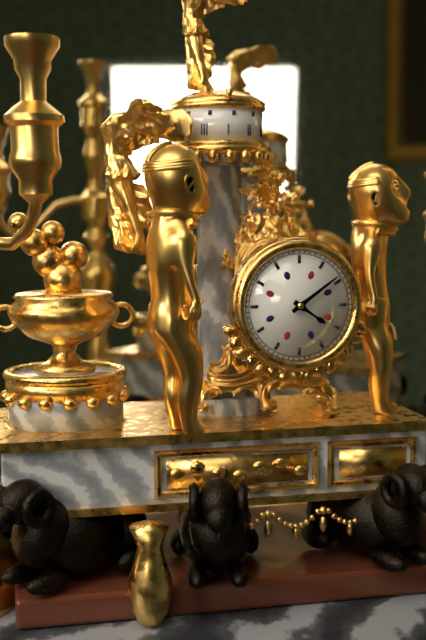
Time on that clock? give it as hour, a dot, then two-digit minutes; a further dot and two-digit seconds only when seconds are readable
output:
4.09
